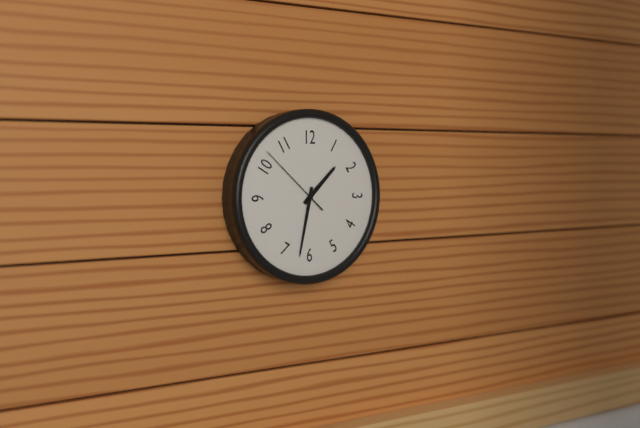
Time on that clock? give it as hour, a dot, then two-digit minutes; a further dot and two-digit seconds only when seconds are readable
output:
1.32.52
